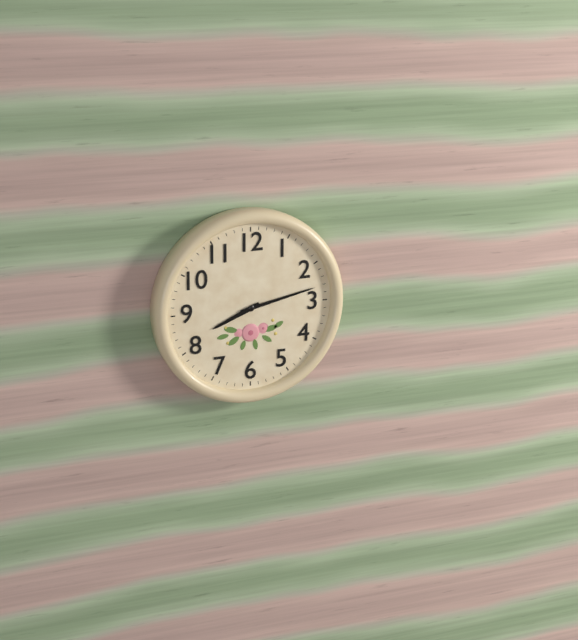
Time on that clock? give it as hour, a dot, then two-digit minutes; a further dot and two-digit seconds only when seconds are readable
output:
8.13
